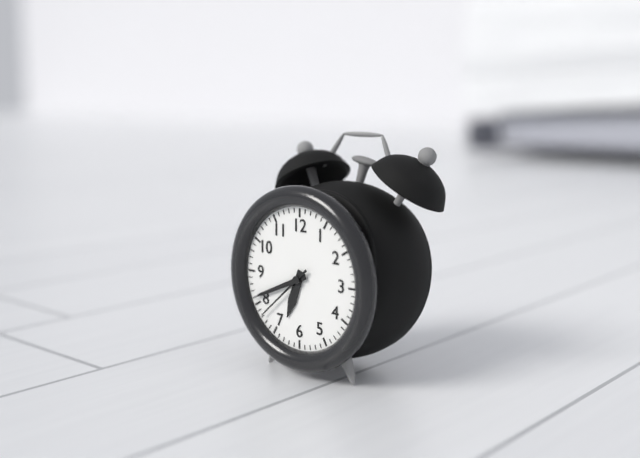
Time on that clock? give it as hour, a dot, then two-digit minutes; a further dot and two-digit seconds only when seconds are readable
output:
6.41.38
